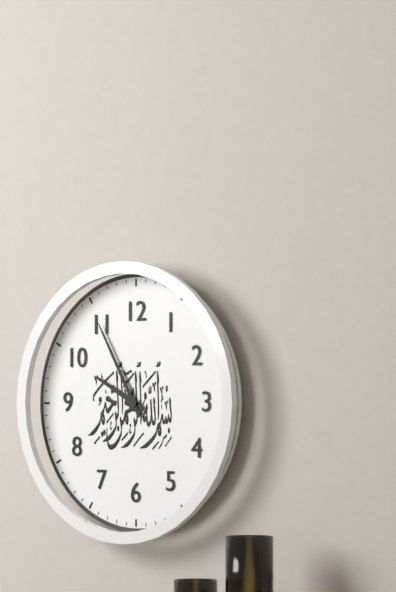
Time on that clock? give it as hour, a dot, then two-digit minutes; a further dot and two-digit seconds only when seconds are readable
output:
9.55
